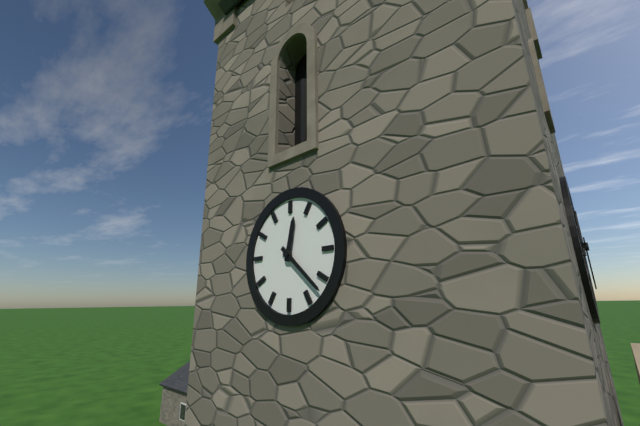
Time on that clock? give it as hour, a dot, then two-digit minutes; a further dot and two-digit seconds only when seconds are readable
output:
12.22
